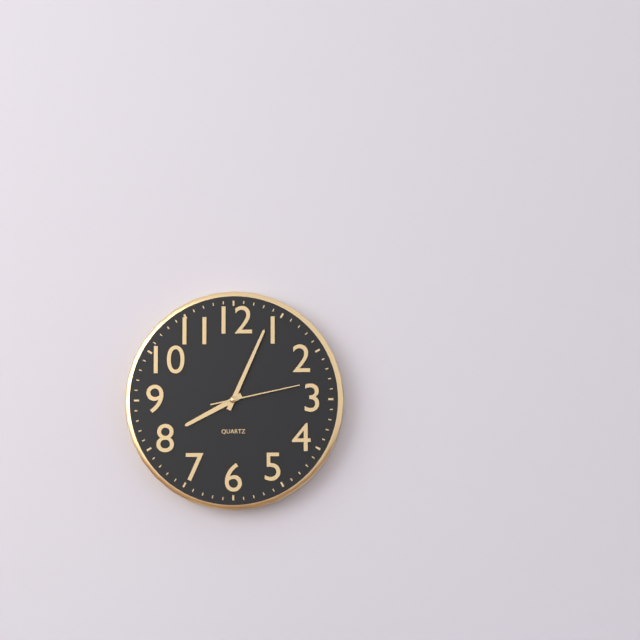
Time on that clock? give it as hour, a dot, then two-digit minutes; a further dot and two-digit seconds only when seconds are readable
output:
8.04.13
